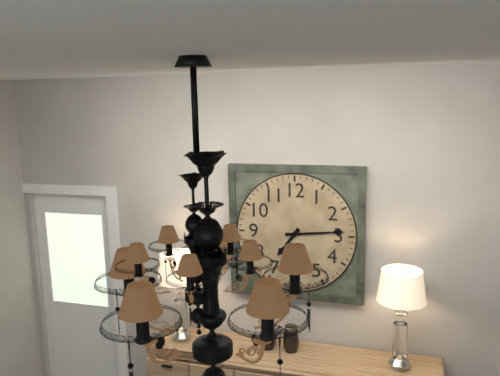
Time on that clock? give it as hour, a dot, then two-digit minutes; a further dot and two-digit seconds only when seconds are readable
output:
7.14
